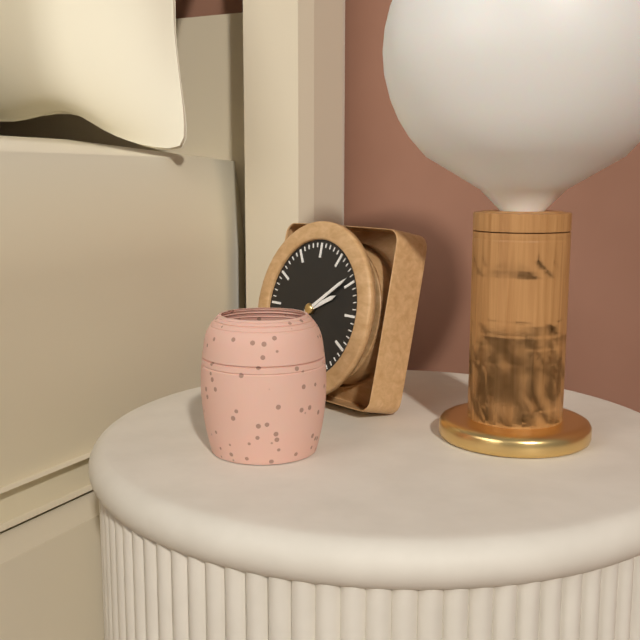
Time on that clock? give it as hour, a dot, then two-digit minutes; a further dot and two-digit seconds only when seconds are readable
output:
2.09
